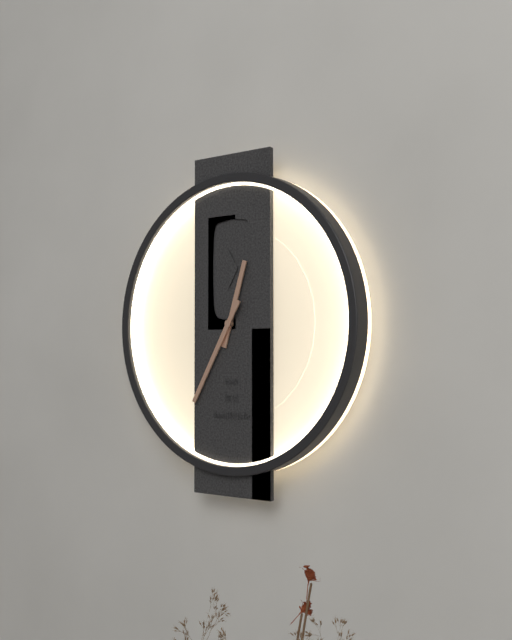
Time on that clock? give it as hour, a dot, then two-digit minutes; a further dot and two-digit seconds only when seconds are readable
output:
12.35
